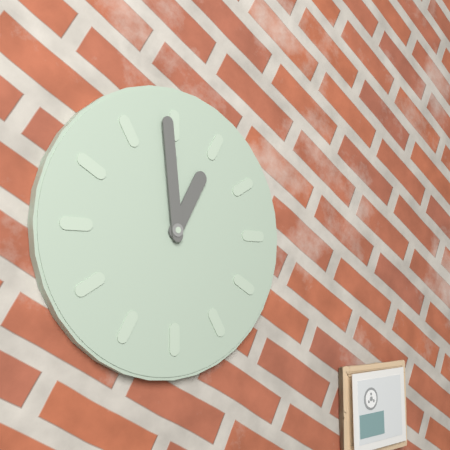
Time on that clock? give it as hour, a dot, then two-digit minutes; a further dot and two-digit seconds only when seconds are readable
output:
12.59
